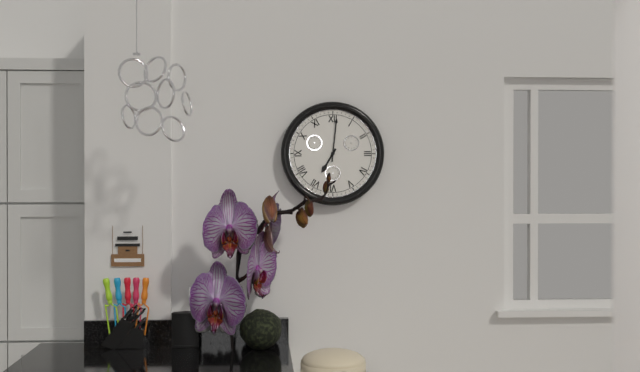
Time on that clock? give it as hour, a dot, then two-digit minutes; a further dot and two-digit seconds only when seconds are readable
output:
7.01
